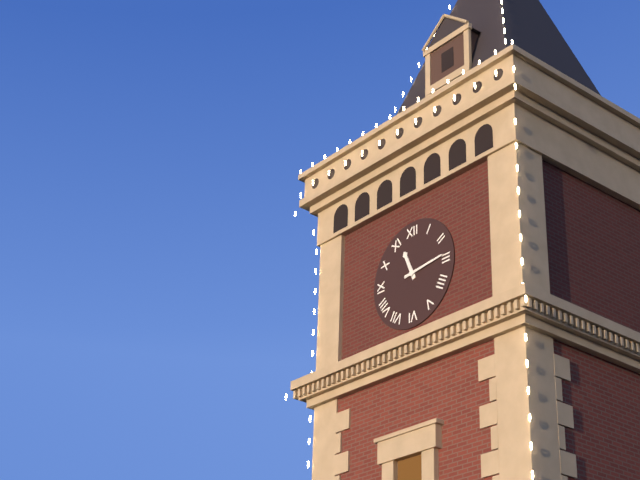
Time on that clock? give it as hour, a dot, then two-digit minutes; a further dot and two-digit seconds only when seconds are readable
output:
11.14
